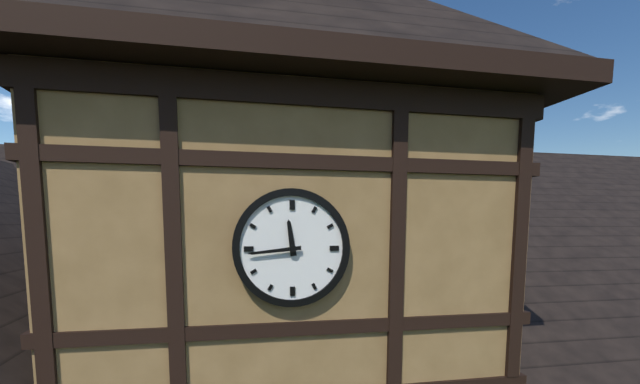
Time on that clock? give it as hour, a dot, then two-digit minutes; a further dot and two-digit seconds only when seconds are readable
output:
11.44
